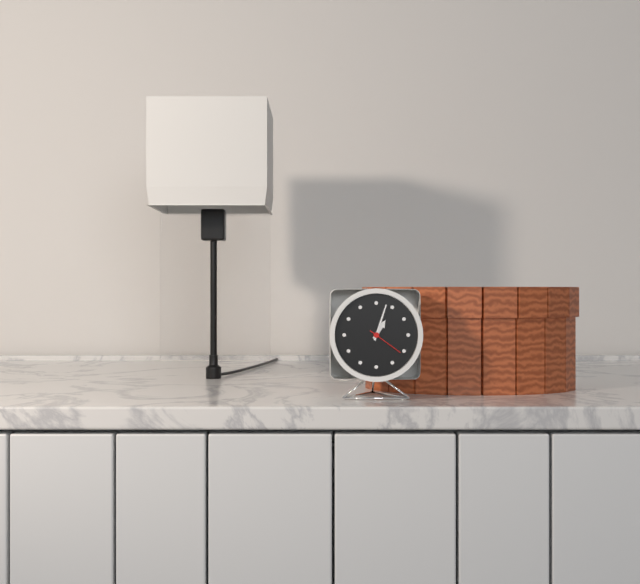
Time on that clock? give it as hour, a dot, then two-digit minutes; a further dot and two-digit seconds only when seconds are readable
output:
1.03
